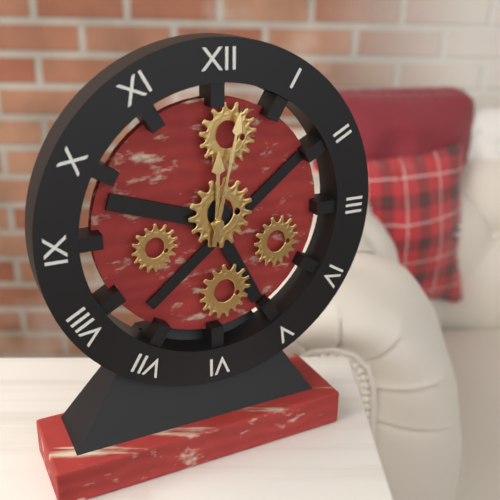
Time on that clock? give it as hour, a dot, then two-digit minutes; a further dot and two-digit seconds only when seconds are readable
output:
12.02
